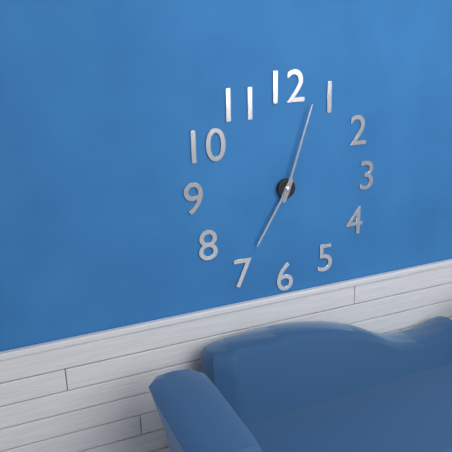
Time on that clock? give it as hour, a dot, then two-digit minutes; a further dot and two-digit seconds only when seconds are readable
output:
7.03
